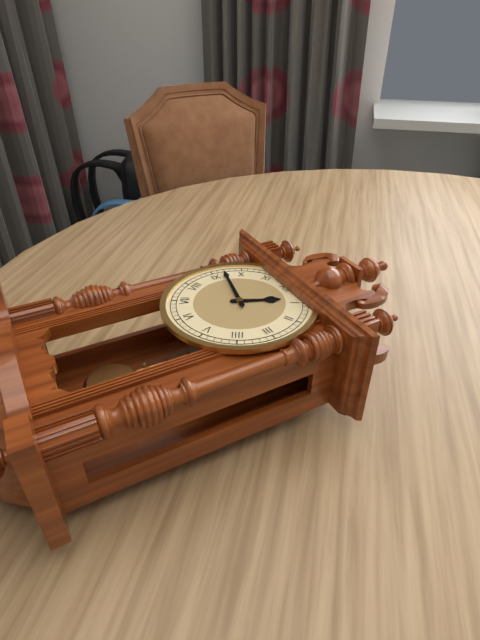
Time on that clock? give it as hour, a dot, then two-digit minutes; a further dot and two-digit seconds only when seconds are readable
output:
12.47
